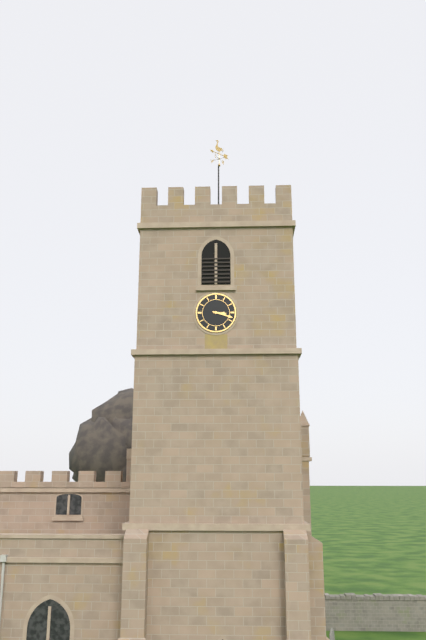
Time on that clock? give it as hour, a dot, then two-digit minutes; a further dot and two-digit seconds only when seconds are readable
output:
3.18
